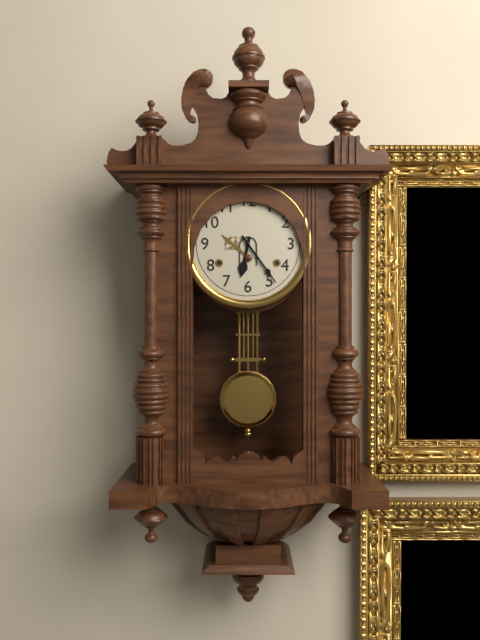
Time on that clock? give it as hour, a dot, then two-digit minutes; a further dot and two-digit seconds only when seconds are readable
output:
6.24
